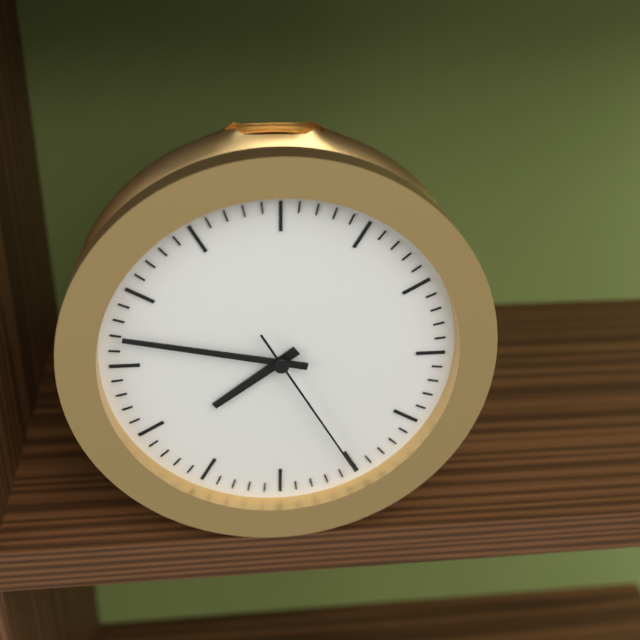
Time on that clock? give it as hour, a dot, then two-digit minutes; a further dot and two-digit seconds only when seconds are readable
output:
7.47.25
